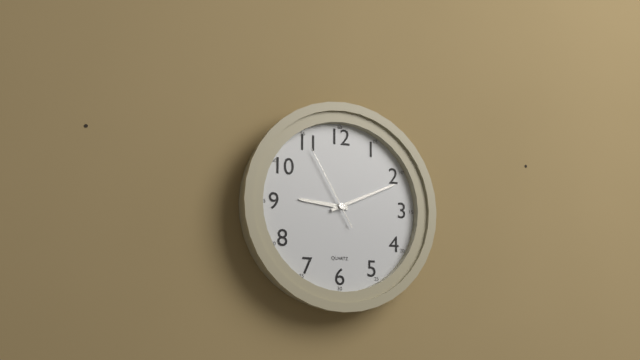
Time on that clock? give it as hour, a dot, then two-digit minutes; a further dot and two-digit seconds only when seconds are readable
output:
9.11.55
